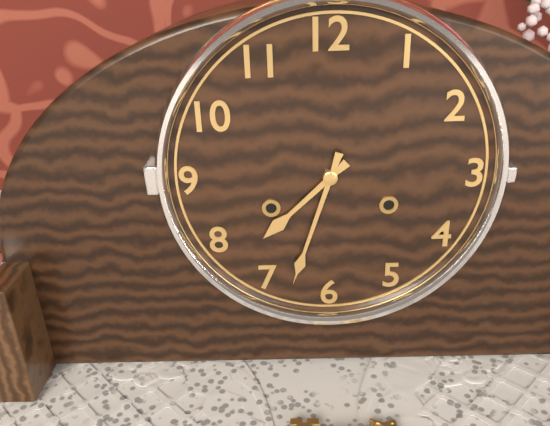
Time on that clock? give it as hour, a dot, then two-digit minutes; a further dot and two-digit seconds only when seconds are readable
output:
7.33
